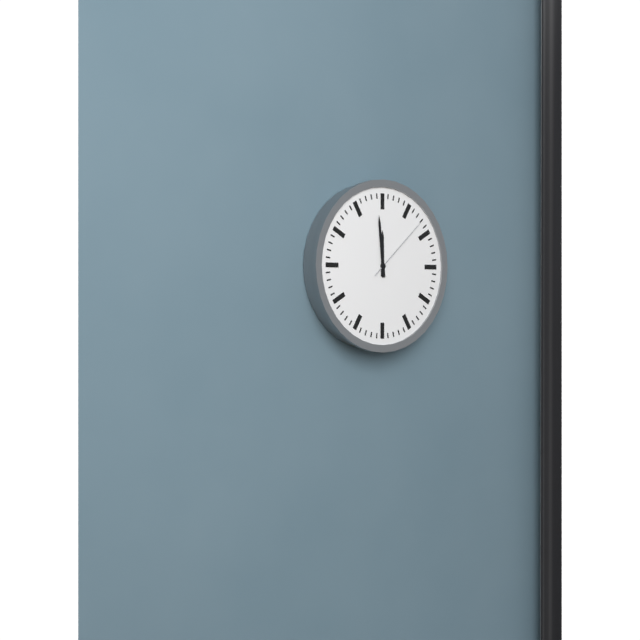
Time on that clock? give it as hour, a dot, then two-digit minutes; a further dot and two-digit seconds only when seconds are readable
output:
11.59.08
